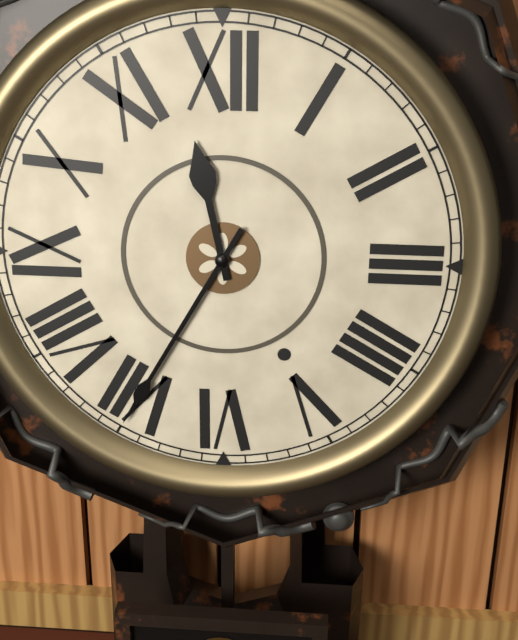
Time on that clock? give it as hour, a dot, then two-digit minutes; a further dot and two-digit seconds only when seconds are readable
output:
11.35
